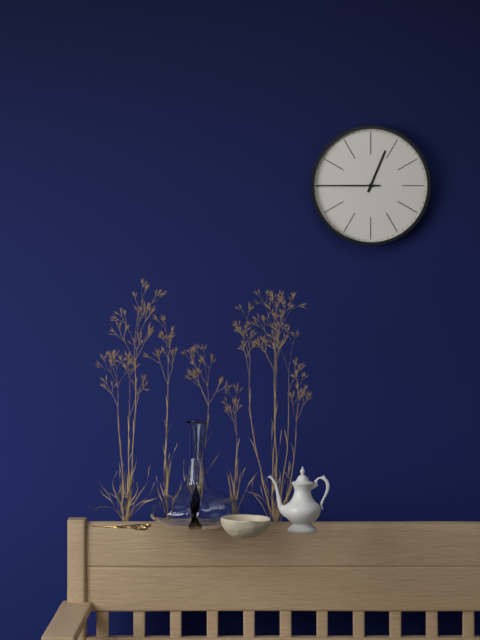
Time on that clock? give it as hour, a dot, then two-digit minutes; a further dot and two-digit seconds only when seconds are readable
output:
12.45
